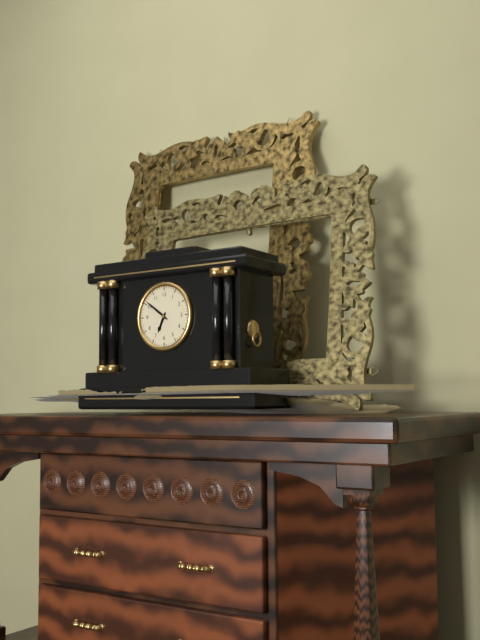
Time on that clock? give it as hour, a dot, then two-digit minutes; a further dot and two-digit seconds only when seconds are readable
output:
6.51
